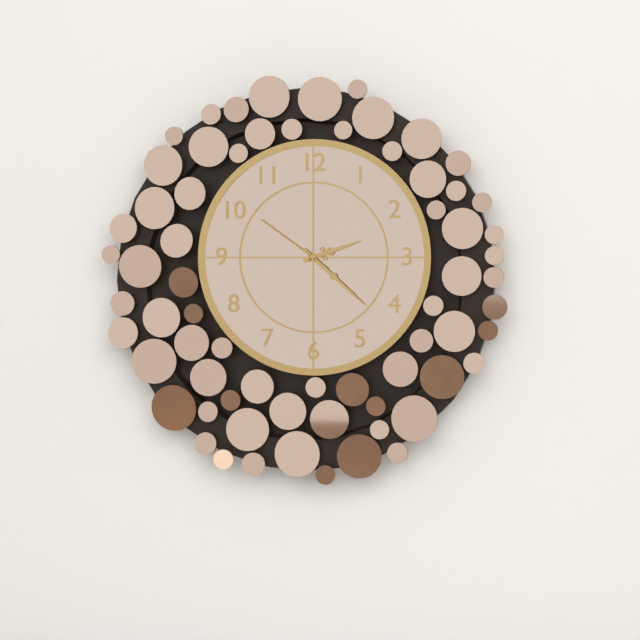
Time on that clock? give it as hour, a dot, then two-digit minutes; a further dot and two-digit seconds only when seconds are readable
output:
2.22.51
